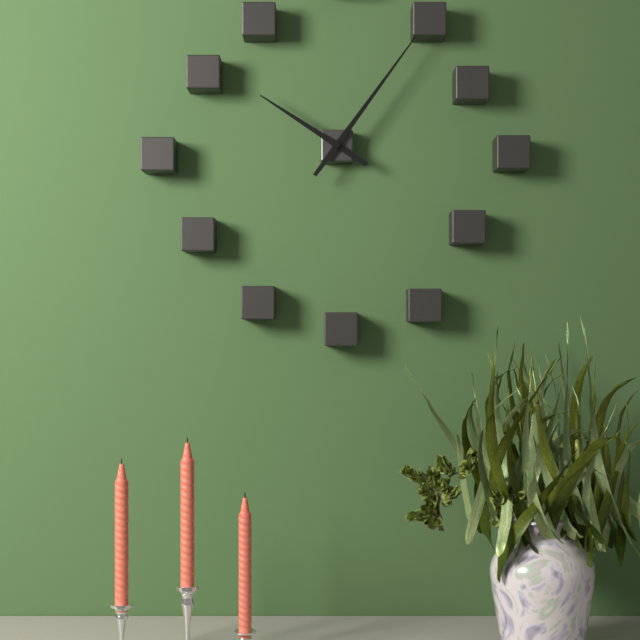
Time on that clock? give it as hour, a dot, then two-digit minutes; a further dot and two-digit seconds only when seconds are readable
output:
10.06
